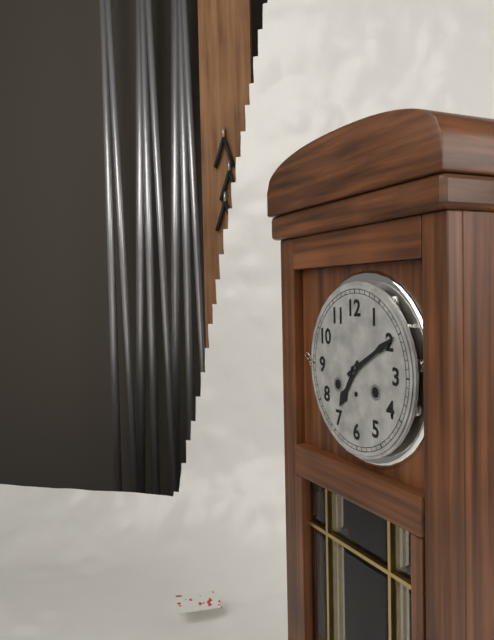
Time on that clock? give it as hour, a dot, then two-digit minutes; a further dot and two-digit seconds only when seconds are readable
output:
7.10
